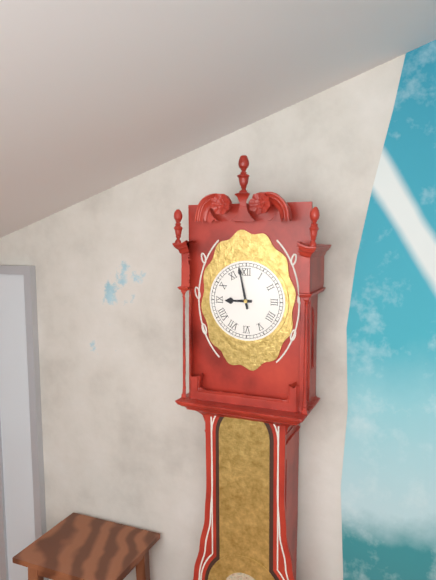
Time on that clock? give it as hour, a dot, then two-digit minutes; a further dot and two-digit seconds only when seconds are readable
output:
8.58
